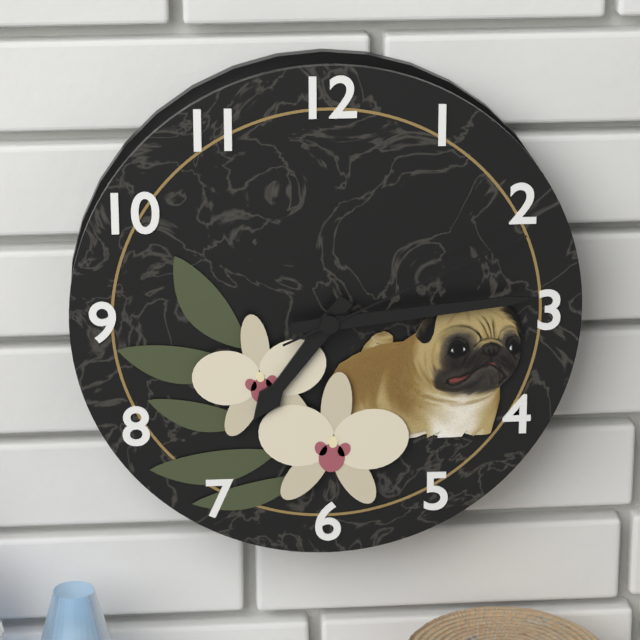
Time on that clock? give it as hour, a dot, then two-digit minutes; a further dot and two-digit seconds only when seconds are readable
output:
7.14.11
